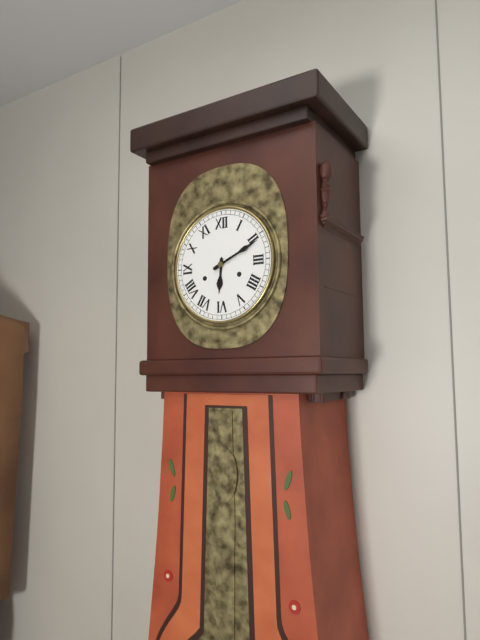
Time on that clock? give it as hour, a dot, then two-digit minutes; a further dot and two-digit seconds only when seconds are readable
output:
6.11
